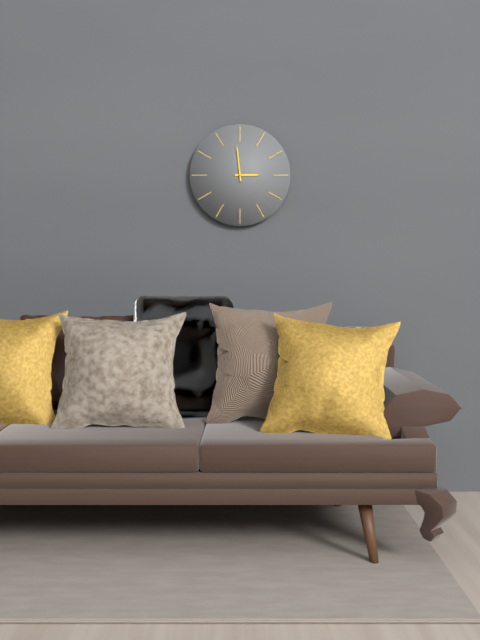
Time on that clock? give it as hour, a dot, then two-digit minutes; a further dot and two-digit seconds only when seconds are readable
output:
2.59
